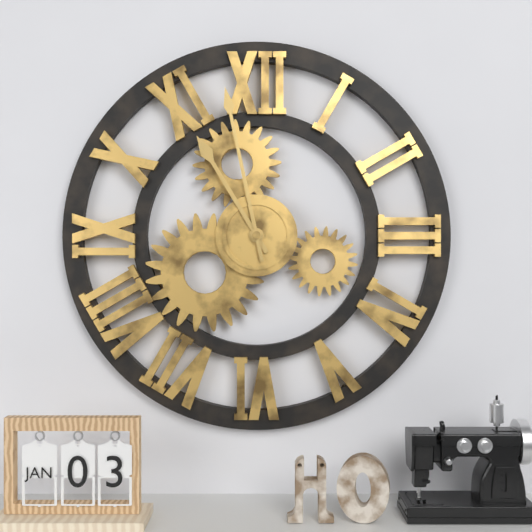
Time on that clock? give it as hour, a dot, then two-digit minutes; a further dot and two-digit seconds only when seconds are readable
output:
10.58
